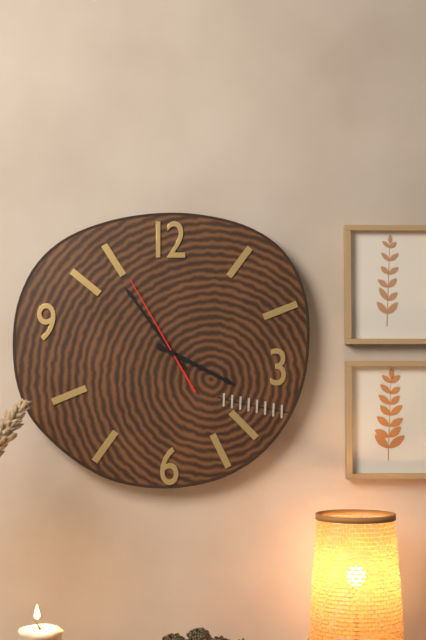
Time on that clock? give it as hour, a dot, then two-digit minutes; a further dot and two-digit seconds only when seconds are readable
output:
3.54.55
